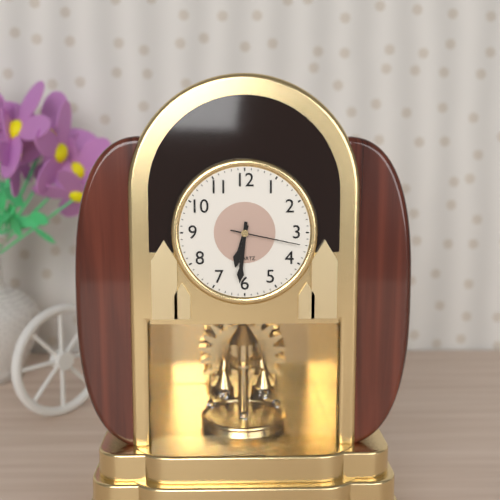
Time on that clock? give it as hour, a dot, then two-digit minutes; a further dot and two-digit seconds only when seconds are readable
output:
6.31.17
